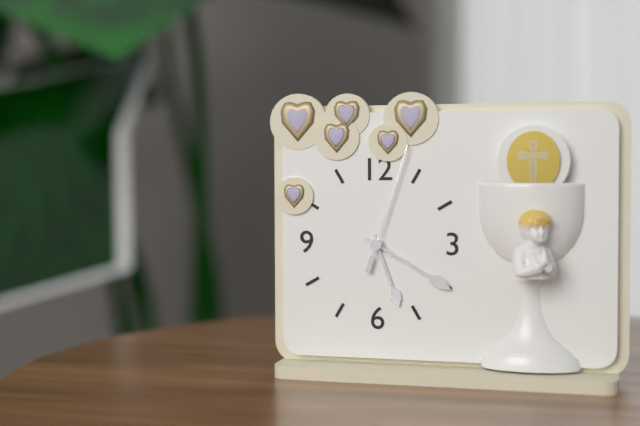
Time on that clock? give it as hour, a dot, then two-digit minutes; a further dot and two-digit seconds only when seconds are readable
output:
5.20.03
